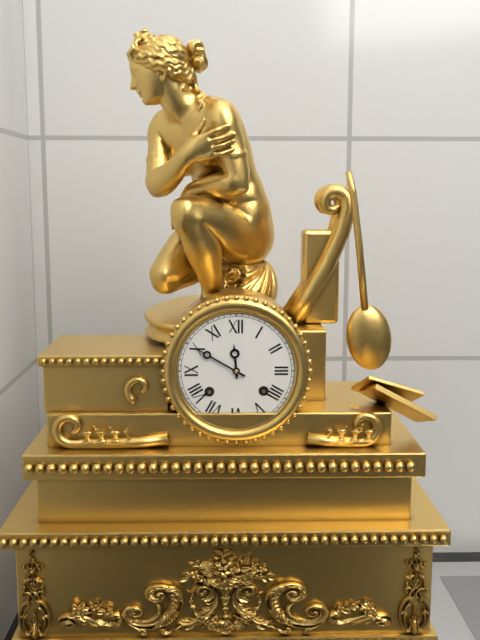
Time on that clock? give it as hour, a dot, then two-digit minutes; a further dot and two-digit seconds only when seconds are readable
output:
11.50
